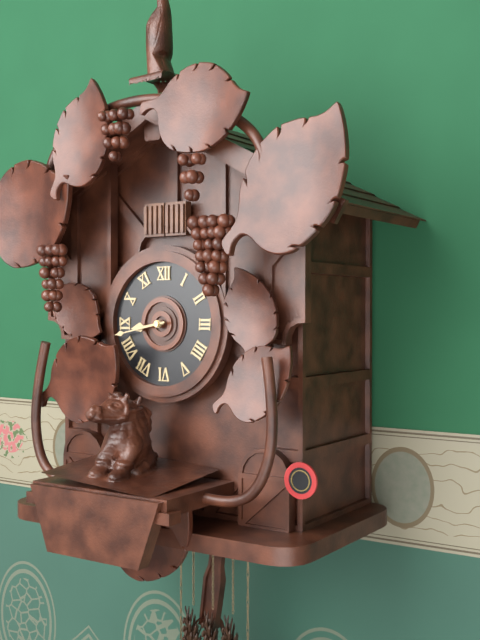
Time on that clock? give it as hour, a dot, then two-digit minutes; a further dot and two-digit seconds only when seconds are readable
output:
8.43
